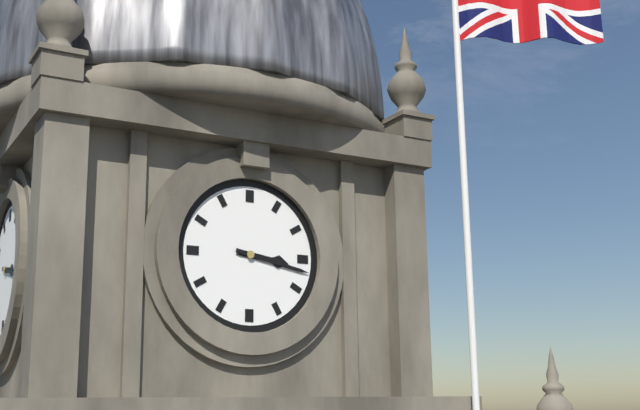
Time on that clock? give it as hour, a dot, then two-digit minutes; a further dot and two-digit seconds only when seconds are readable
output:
3.17
